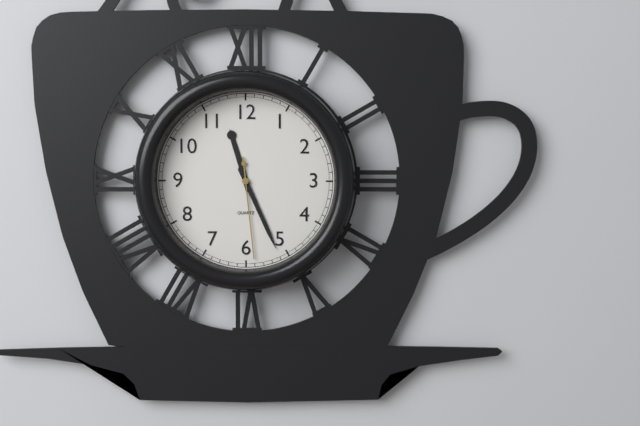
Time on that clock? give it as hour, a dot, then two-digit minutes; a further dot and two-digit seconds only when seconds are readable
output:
11.26.29
